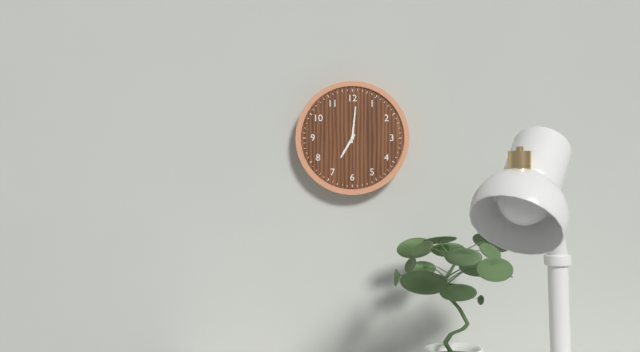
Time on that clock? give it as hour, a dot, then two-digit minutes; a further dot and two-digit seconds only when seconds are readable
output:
7.01
